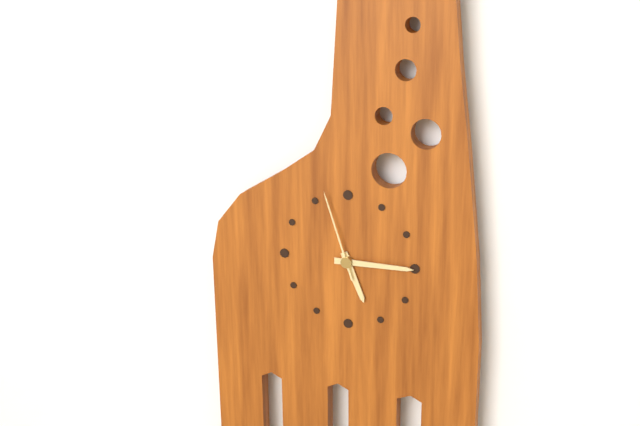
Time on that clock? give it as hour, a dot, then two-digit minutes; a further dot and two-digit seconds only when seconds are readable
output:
5.15.57
